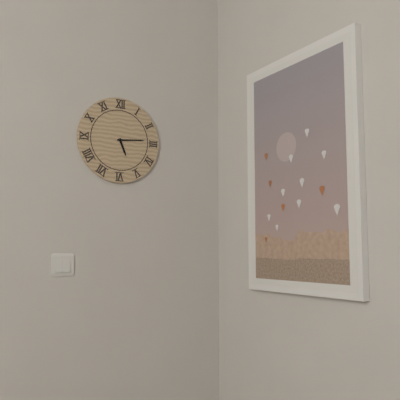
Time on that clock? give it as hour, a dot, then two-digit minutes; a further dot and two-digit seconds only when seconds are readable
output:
5.14
